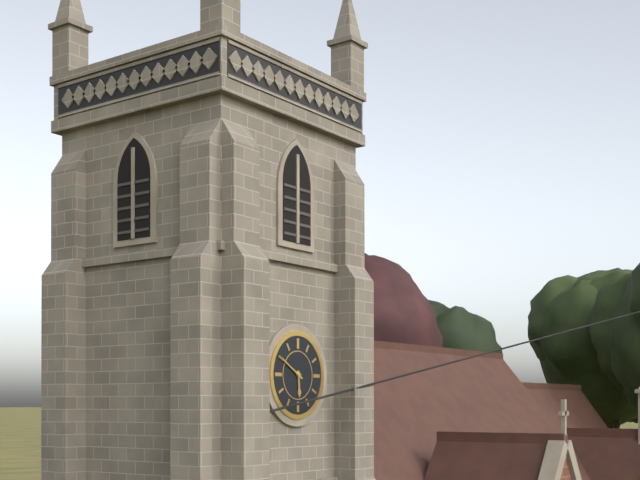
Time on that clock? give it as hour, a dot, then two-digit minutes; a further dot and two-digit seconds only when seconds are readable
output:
5.50
